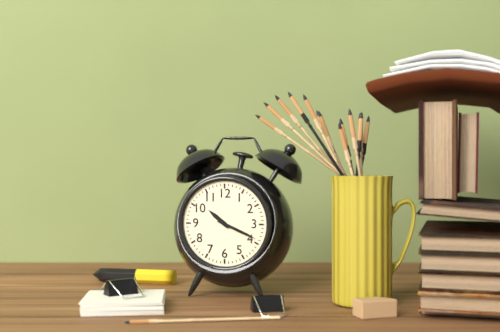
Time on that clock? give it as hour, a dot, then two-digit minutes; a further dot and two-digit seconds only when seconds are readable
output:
10.19
